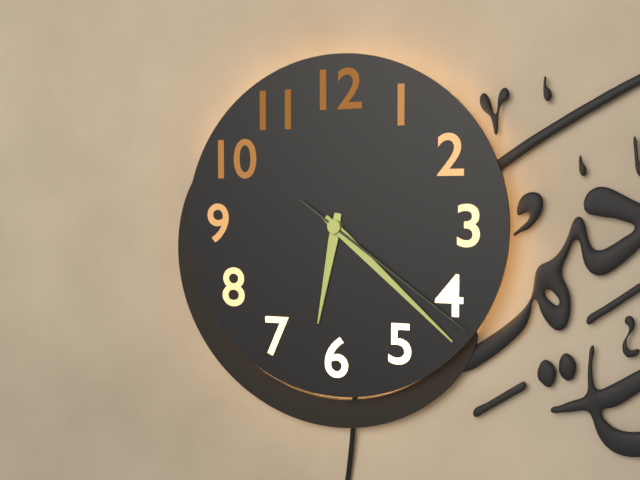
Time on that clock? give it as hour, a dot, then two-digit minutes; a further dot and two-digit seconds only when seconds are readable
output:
6.22.21
